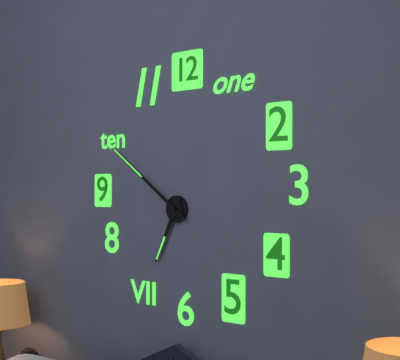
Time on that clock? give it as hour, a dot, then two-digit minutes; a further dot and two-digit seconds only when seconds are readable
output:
6.51
